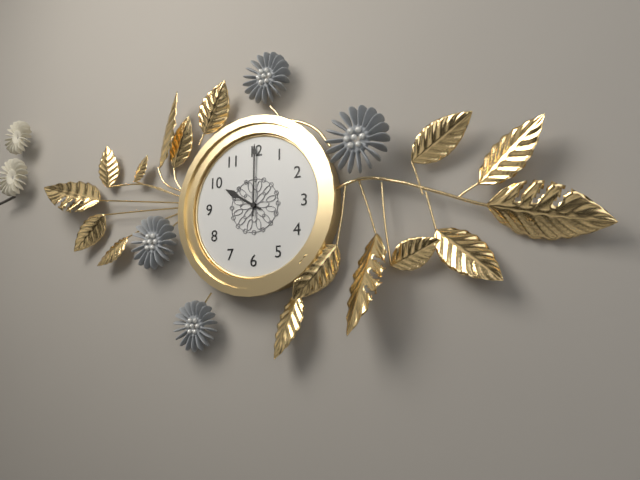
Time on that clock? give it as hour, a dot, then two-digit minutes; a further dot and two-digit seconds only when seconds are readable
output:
10.00
